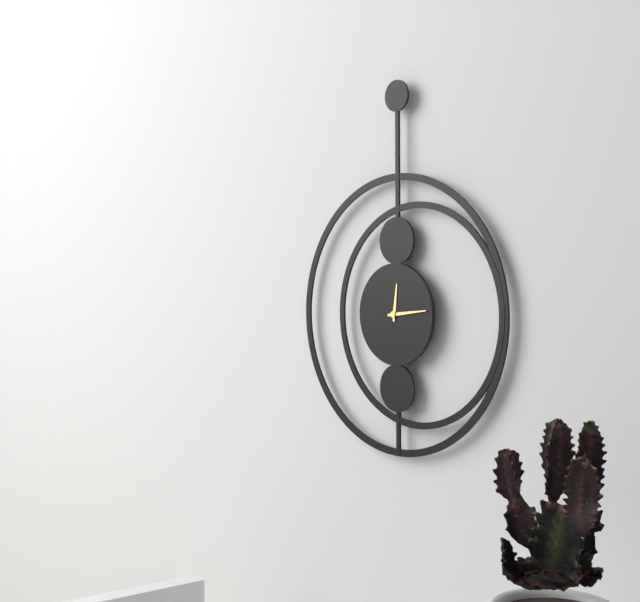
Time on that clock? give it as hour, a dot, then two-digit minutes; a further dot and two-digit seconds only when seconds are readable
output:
12.14
